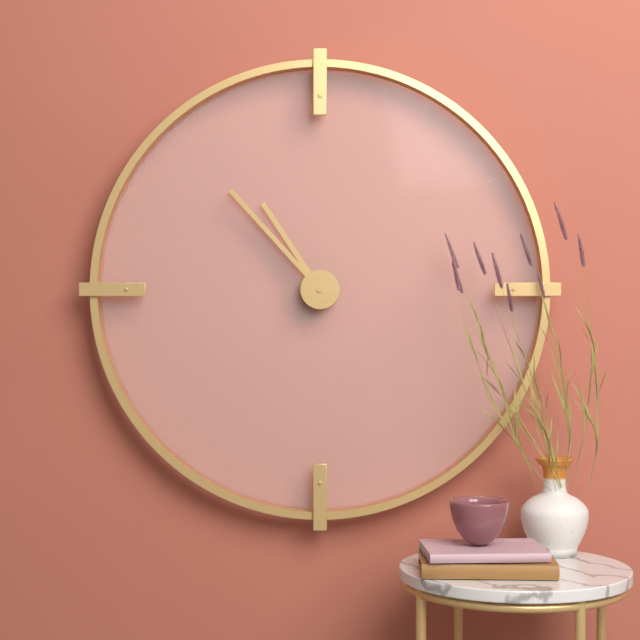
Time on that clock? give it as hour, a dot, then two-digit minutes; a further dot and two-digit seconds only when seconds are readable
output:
10.53
